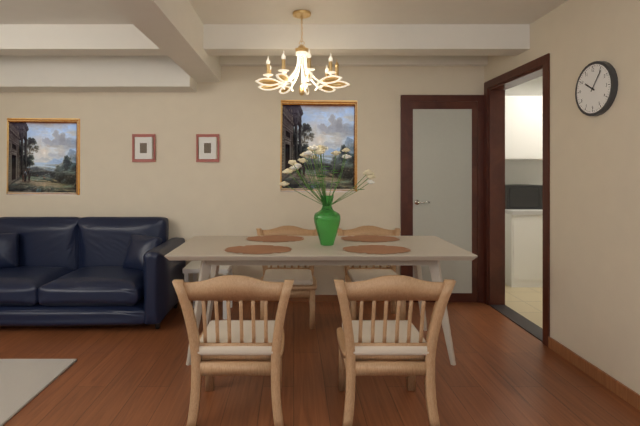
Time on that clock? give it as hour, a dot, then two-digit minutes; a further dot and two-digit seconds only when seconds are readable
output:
10.06
